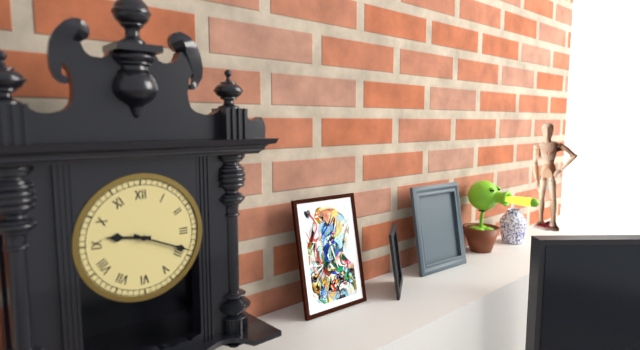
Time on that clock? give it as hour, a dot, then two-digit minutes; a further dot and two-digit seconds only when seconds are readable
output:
9.19
